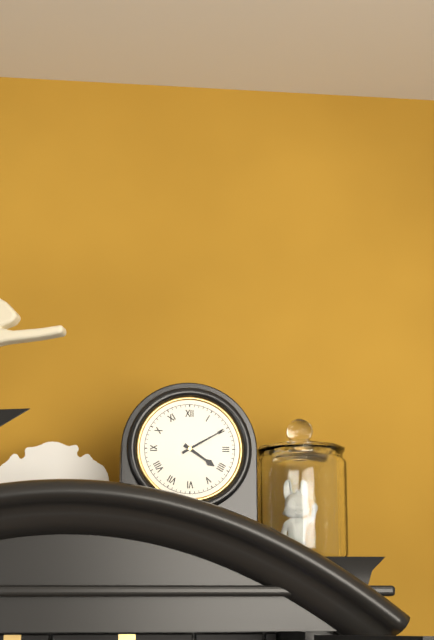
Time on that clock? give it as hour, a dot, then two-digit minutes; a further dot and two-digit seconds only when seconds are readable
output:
4.10
